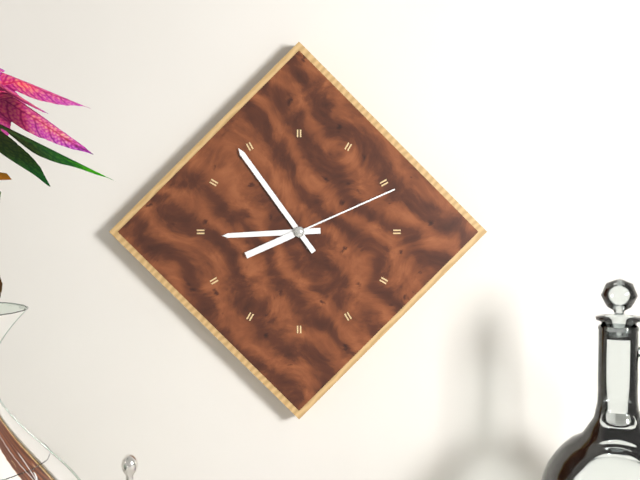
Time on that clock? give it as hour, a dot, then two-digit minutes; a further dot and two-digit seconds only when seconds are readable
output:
8.54.11
